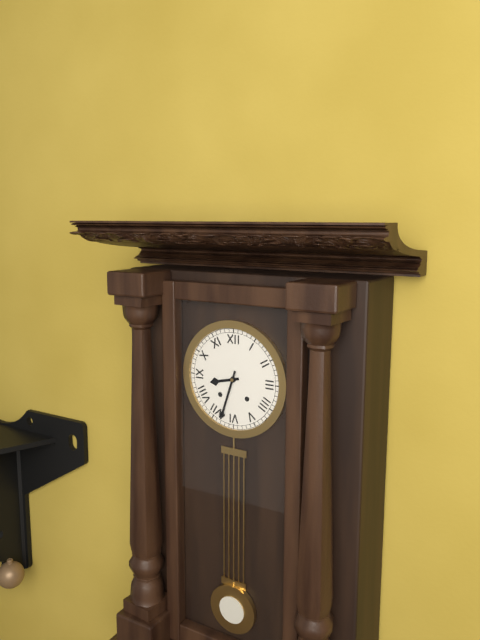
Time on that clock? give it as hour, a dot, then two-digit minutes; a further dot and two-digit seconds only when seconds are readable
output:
8.33
